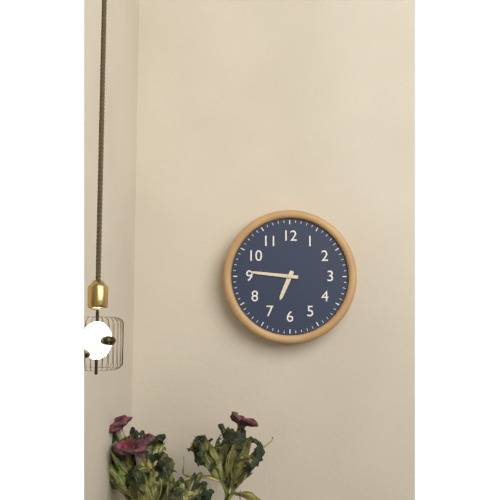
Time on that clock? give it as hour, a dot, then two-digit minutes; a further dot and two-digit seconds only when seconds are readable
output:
6.46
